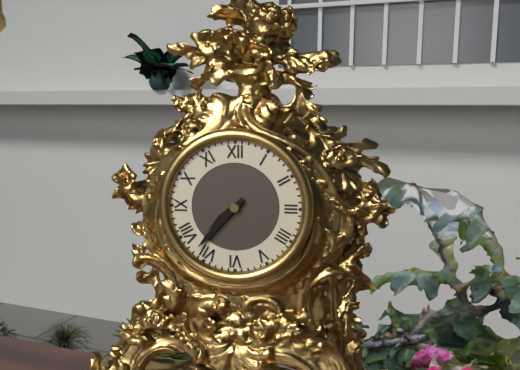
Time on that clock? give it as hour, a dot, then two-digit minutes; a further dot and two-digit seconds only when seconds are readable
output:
7.37
